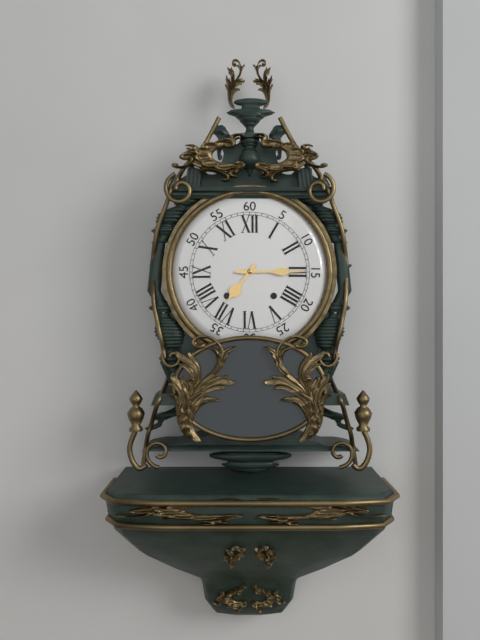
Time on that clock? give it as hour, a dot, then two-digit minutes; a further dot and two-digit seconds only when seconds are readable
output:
7.15
